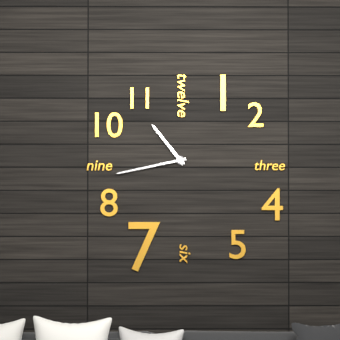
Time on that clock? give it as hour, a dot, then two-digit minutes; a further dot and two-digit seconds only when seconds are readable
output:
10.43
